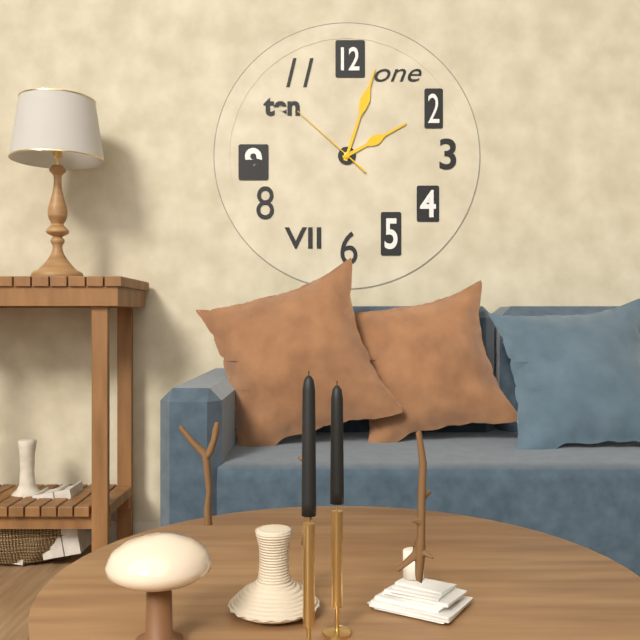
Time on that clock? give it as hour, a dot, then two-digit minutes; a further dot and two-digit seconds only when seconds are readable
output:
2.03.52
